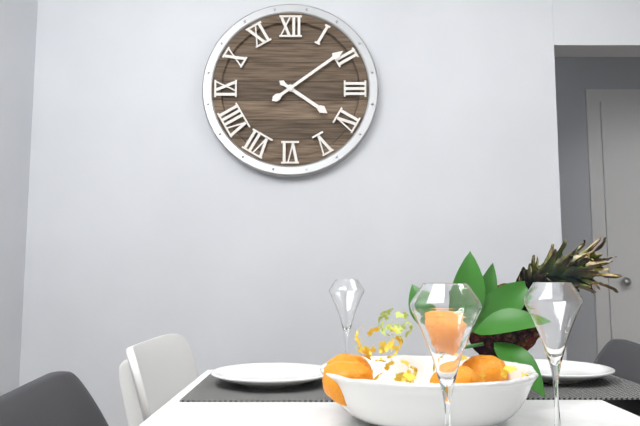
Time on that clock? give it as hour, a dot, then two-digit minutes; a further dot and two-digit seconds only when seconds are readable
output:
4.09
